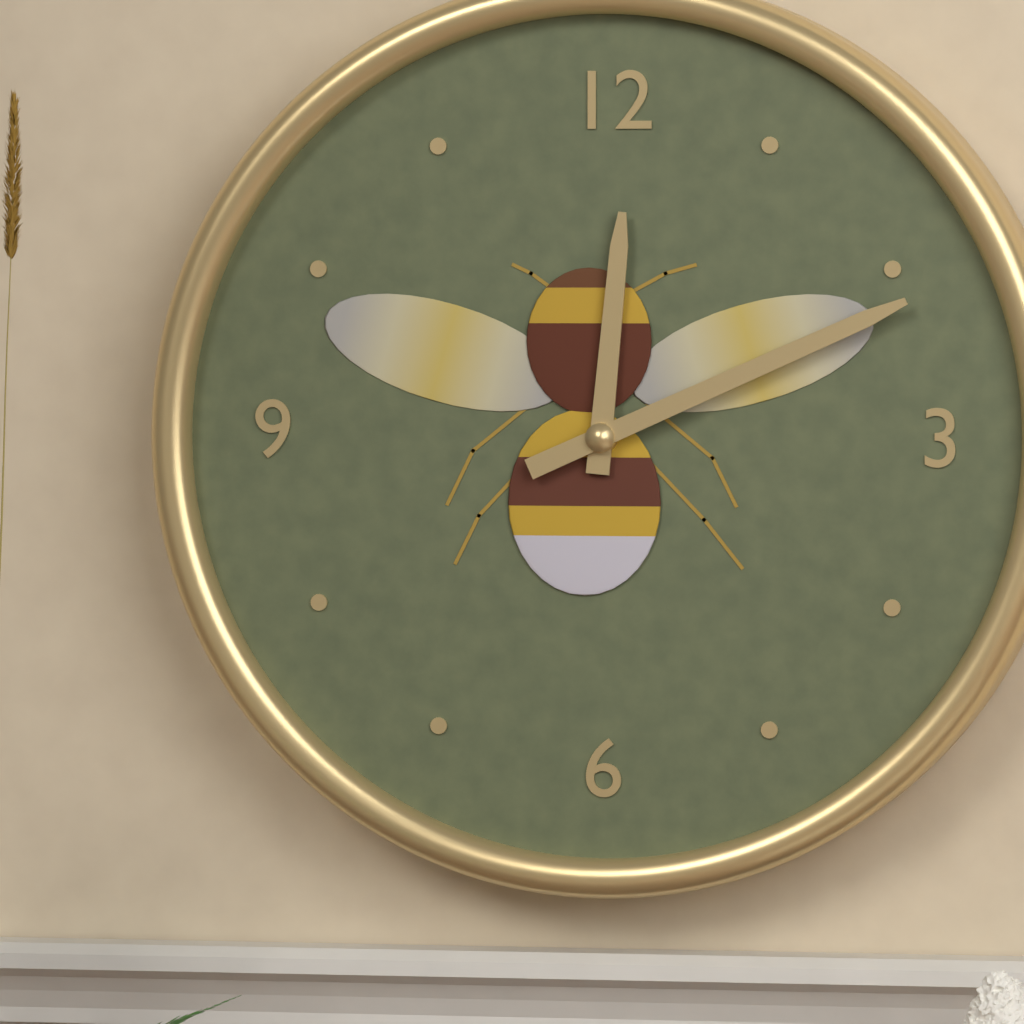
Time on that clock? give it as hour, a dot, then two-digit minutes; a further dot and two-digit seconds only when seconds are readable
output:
12.11
